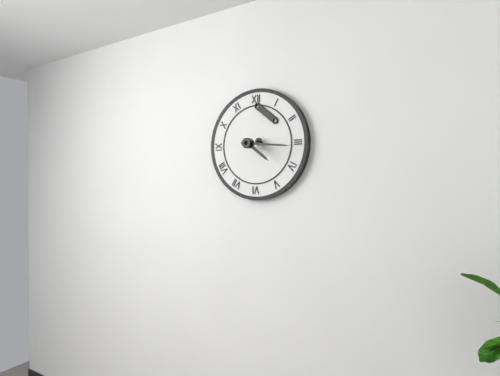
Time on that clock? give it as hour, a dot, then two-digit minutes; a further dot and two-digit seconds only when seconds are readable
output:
4.16
